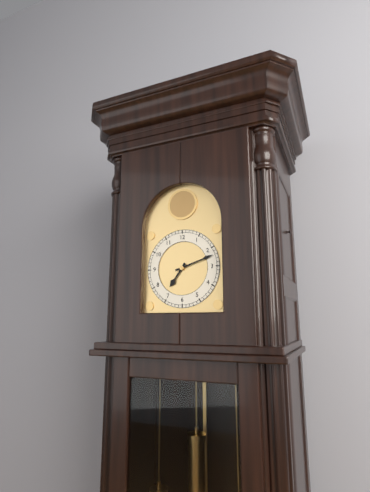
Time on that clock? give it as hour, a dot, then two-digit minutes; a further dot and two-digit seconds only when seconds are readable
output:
7.12
